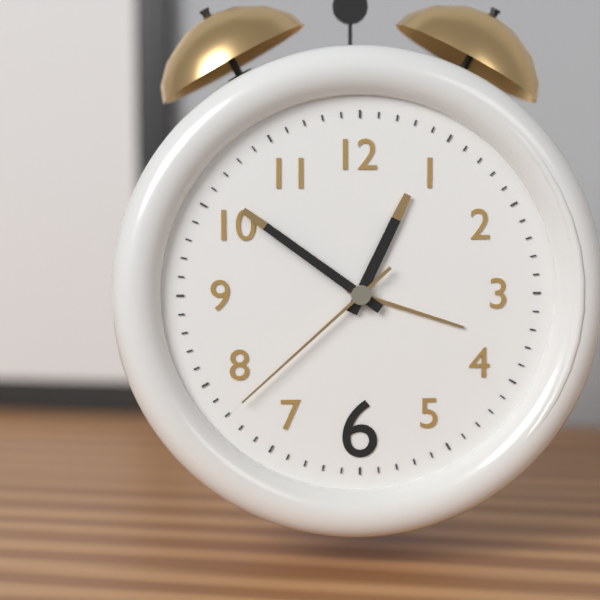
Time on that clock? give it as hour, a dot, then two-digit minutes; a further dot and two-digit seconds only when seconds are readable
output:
12.51.38
